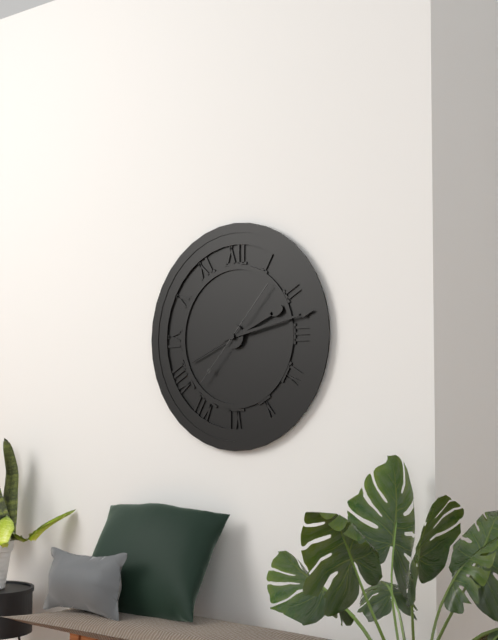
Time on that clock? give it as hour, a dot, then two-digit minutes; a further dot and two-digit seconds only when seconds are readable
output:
2.13.07
